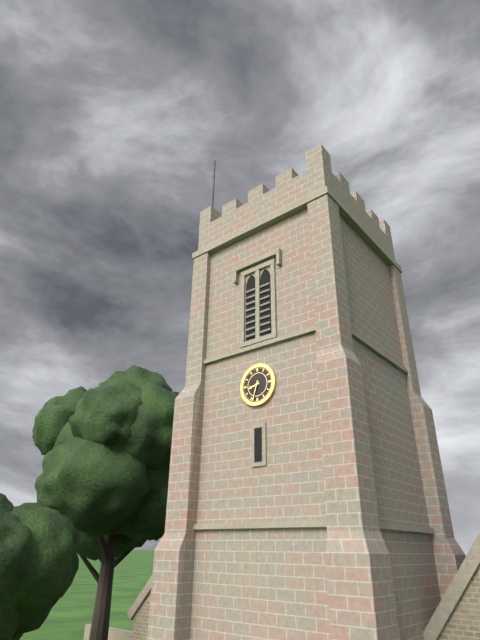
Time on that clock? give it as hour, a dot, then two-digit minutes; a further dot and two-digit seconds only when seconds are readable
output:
8.33
